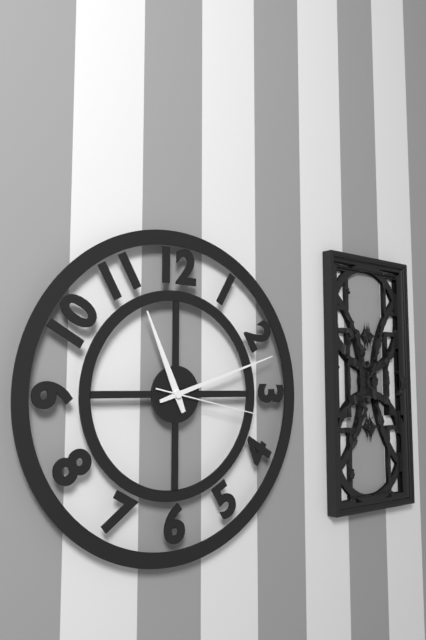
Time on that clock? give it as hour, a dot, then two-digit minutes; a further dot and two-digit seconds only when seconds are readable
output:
11.12.17
